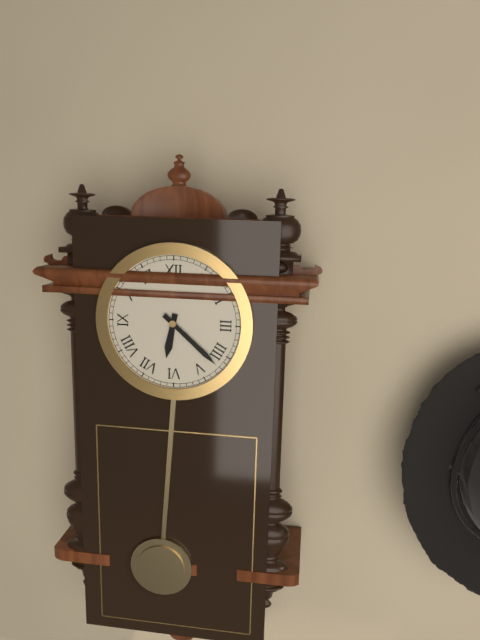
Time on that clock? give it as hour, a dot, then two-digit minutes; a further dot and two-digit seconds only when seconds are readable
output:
6.22
